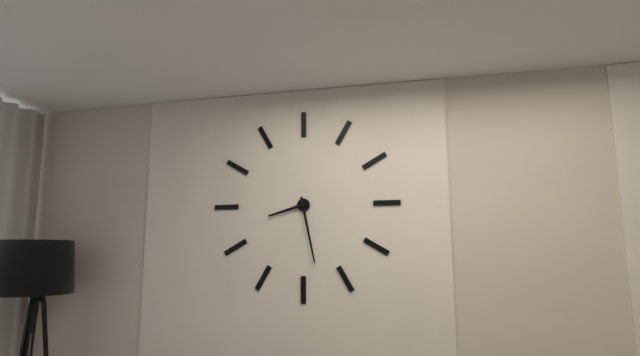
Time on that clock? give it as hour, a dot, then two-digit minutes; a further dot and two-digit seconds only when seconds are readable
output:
8.28
